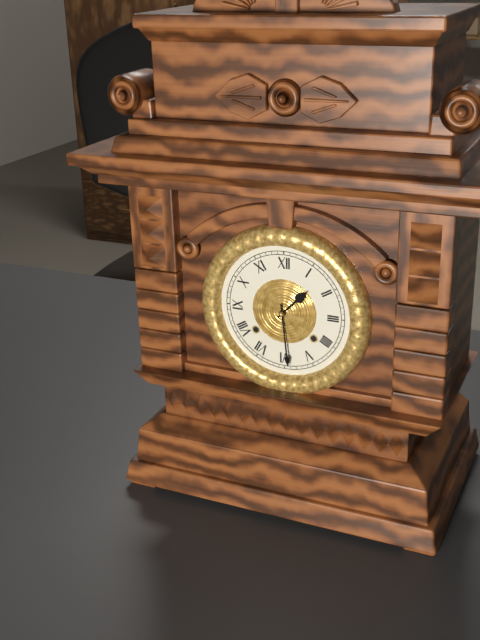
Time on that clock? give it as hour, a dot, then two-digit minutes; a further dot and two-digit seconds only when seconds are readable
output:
1.29
